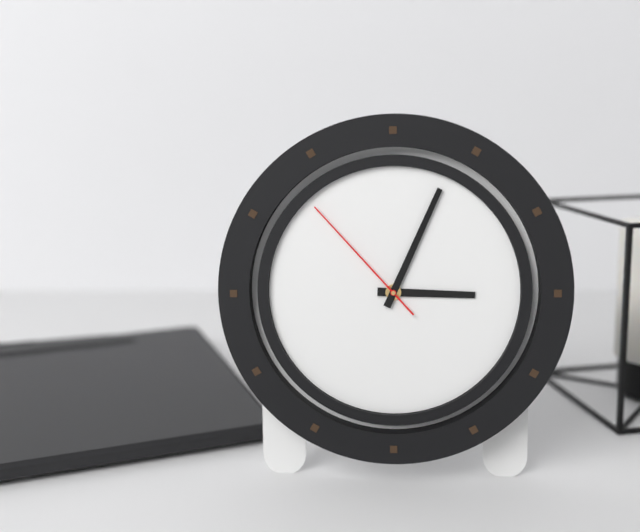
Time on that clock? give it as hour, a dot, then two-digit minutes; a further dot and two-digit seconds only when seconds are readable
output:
3.04.53
